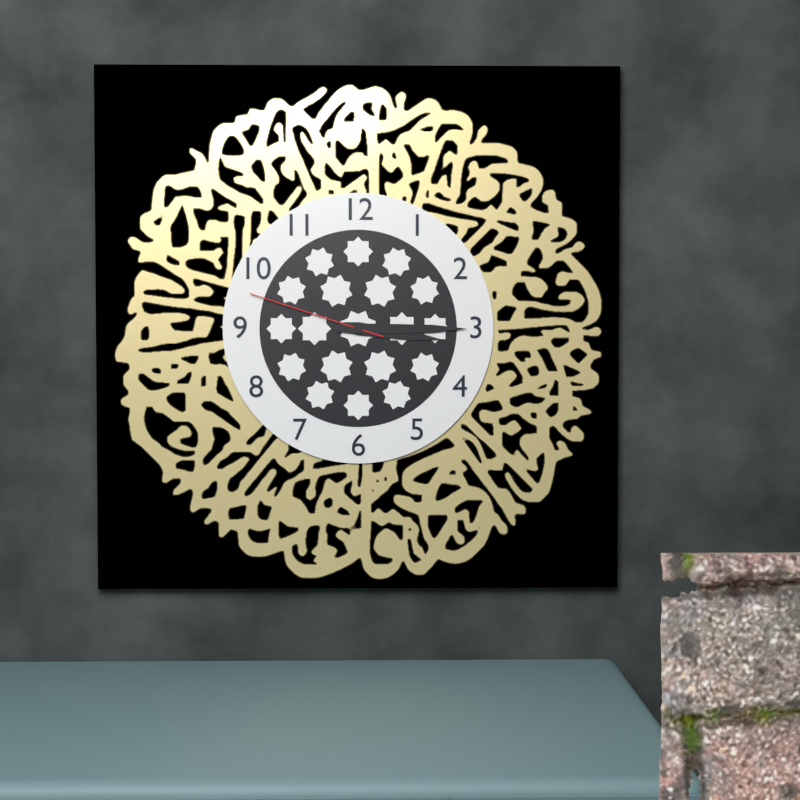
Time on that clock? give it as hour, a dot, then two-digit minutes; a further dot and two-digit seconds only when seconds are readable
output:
3.15.48
